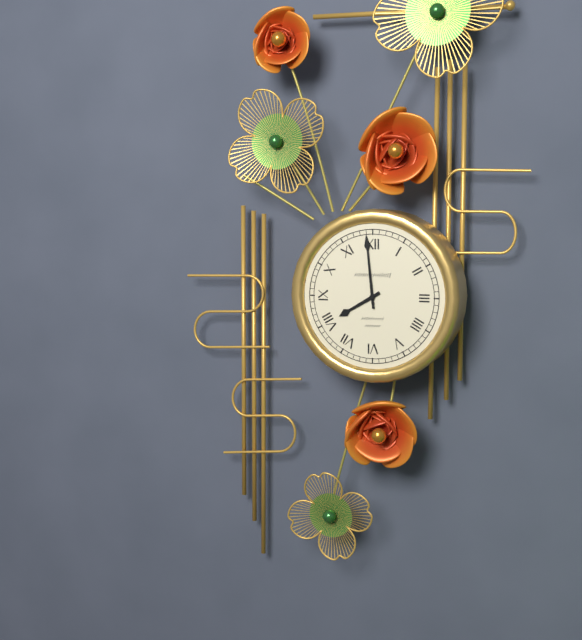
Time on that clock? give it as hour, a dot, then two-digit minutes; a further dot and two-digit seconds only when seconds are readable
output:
7.59
